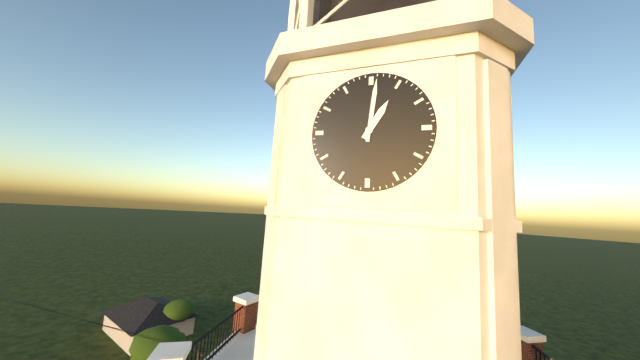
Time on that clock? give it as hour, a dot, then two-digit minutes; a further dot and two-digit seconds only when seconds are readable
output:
1.01
